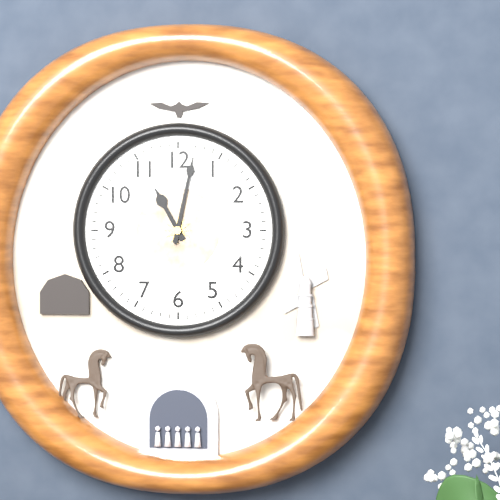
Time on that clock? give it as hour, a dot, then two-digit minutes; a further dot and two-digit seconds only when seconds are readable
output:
11.02
